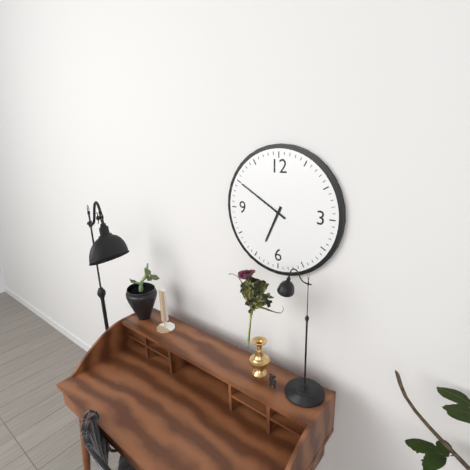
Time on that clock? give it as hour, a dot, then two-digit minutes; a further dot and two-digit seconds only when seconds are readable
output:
6.50
